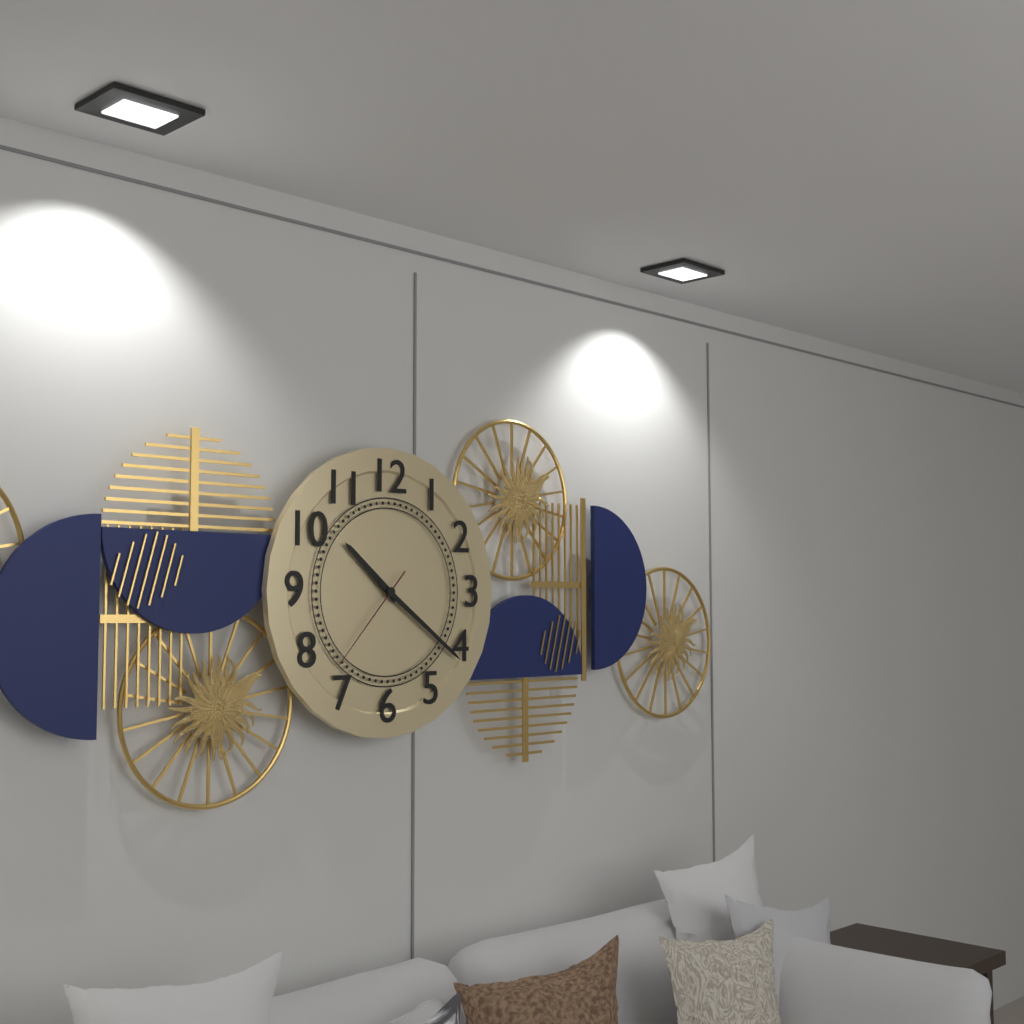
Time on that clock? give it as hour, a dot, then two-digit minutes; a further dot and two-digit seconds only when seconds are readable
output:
10.21.37
